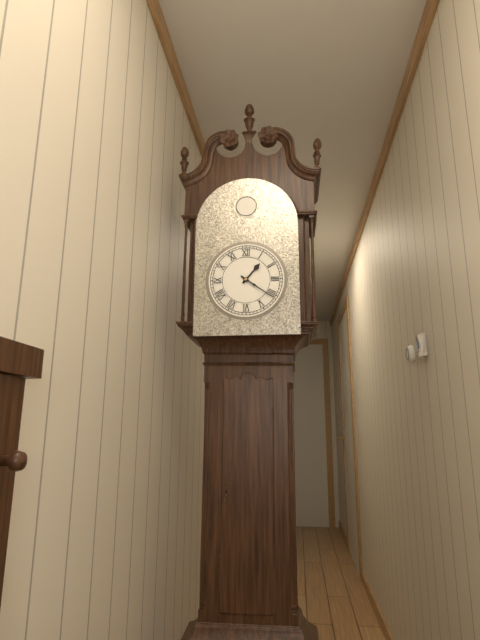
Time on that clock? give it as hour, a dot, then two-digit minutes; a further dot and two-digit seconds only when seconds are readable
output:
1.21
